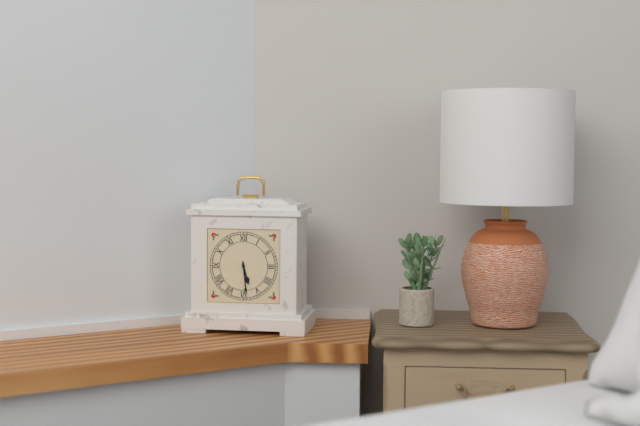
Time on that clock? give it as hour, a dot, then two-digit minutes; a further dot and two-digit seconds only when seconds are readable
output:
5.29
